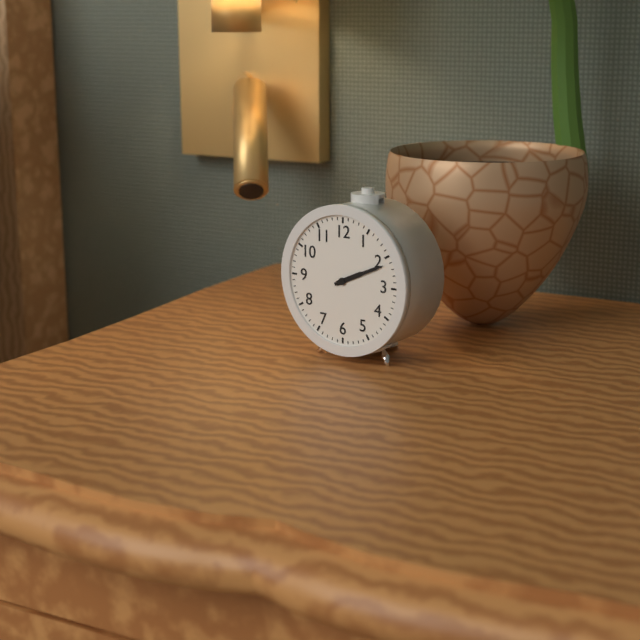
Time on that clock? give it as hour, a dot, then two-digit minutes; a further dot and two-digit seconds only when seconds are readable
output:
2.11
